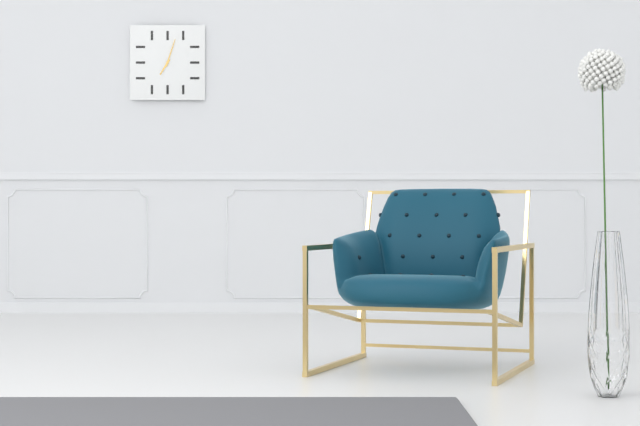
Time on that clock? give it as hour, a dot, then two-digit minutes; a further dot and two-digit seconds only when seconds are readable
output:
7.03
